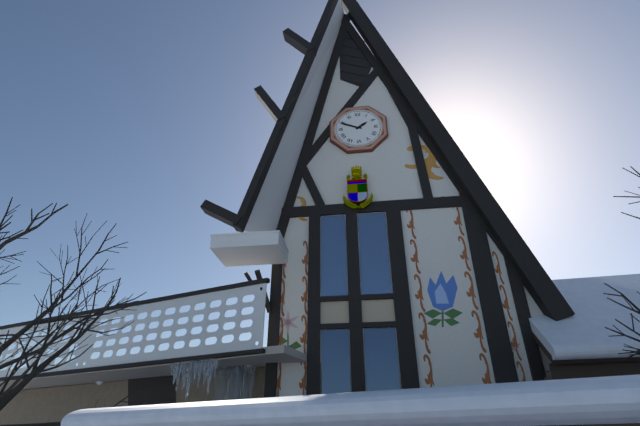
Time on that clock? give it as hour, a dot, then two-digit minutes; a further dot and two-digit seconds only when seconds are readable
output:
1.49
